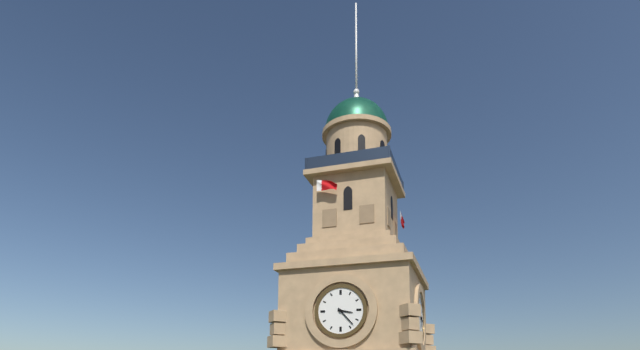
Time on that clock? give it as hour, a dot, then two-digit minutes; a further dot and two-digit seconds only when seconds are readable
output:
3.23
